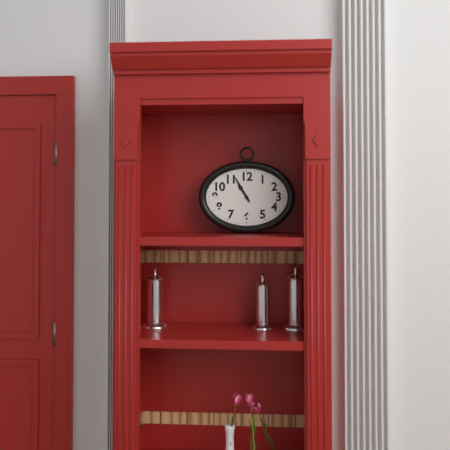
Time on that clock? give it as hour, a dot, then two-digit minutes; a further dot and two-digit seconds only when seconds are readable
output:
10.55
